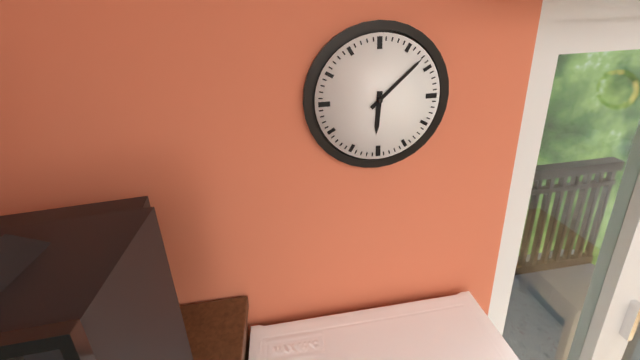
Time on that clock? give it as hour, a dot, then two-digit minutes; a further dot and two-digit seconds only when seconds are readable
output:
6.08
